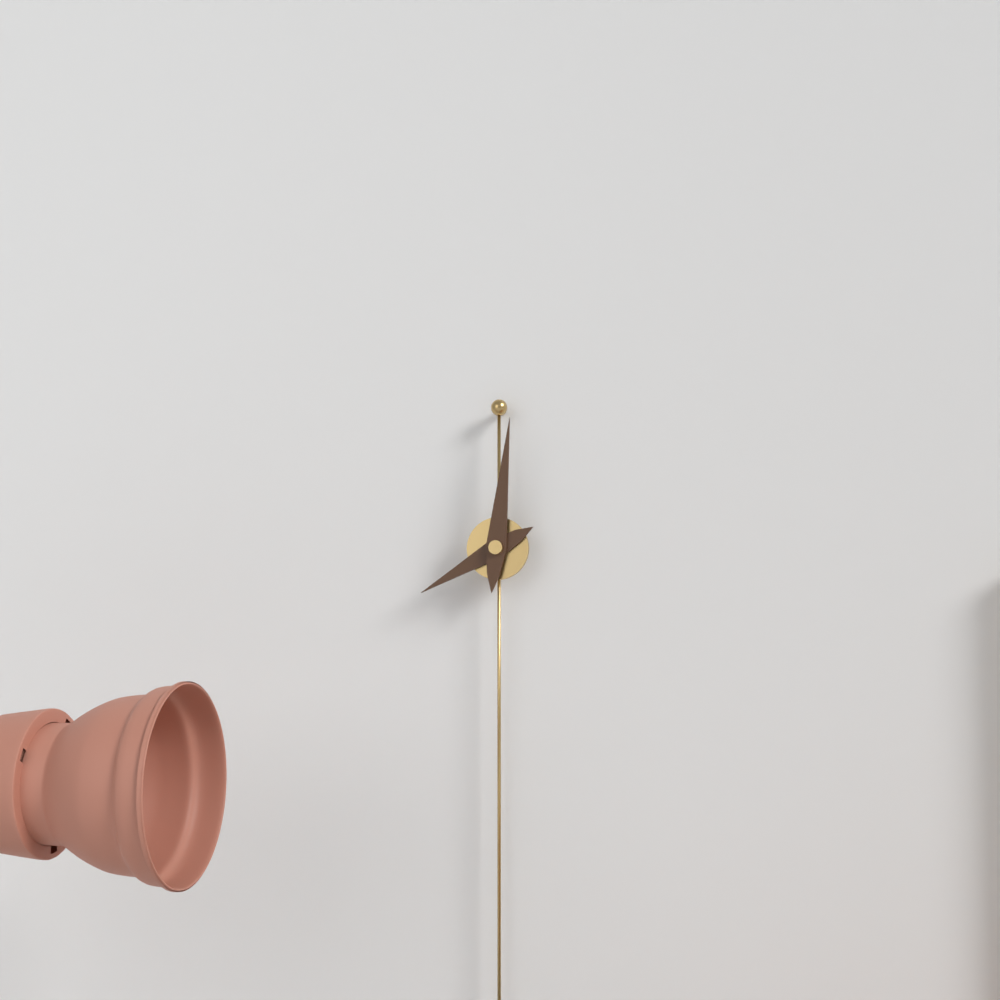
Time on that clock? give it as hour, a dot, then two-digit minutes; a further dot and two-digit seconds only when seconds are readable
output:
8.01
